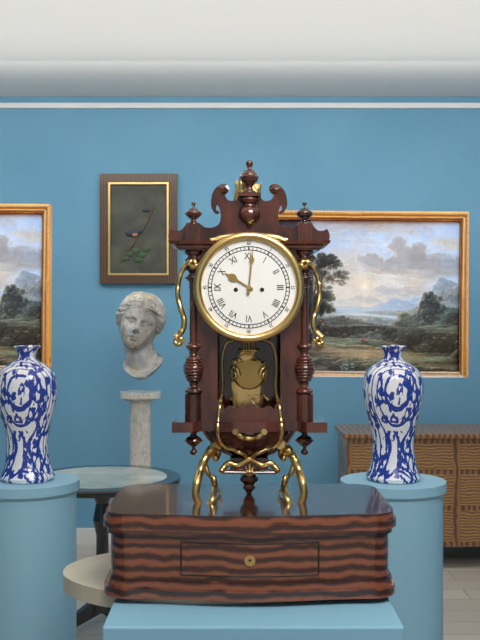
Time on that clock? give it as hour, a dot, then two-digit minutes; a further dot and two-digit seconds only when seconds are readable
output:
10.01
